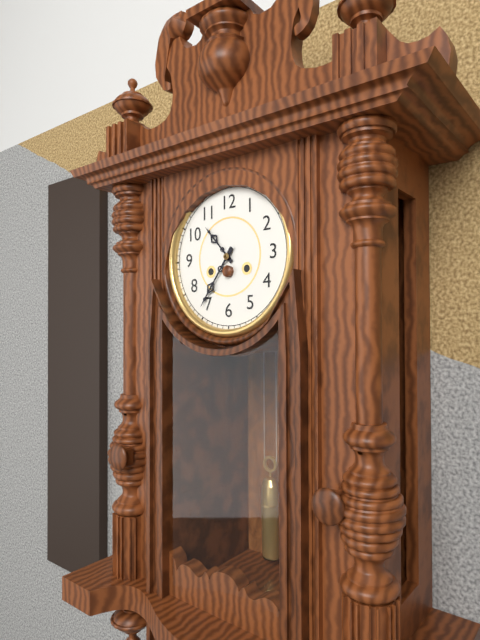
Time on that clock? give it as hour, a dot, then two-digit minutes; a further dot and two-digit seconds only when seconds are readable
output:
10.36
